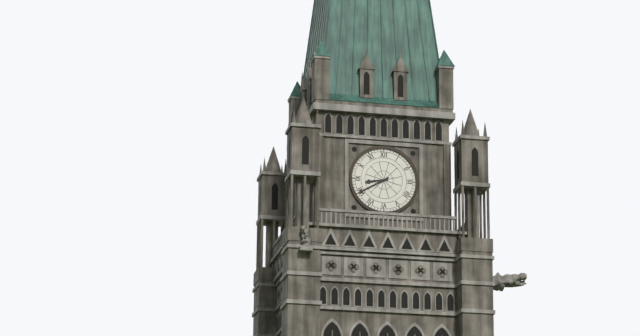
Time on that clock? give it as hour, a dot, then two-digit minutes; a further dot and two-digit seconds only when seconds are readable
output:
8.40
